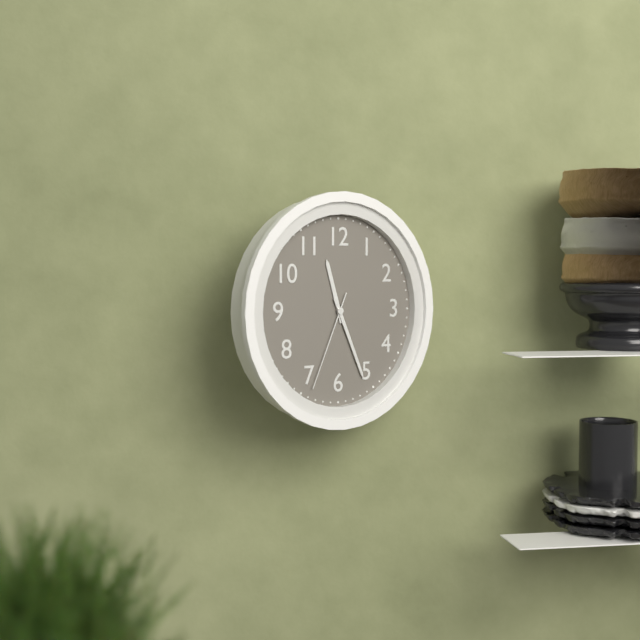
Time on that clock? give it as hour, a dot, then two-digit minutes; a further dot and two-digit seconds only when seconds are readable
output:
11.26.34
